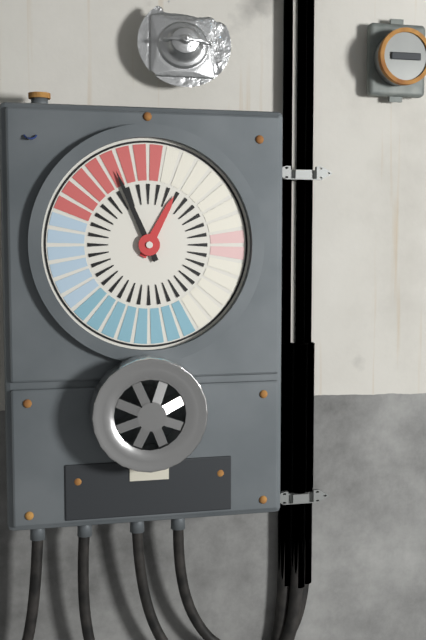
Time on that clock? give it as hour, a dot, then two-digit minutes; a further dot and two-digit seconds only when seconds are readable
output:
12.56
